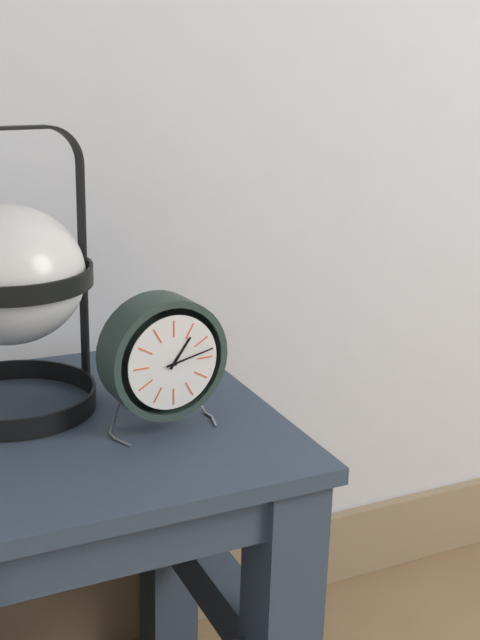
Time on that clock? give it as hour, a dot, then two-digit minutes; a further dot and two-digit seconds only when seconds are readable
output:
1.13
